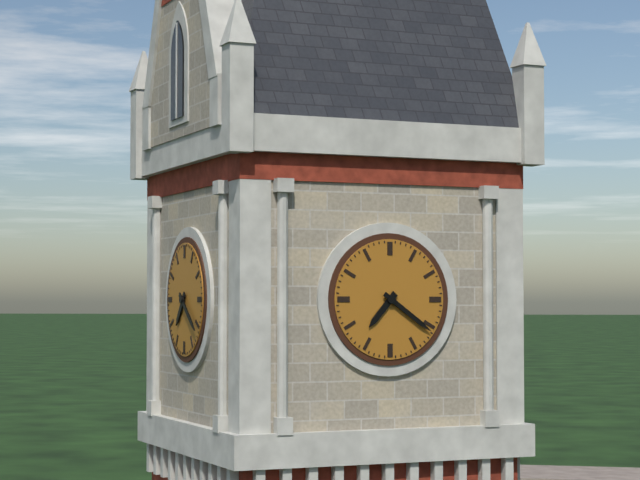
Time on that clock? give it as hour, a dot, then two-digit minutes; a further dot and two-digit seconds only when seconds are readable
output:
7.21
